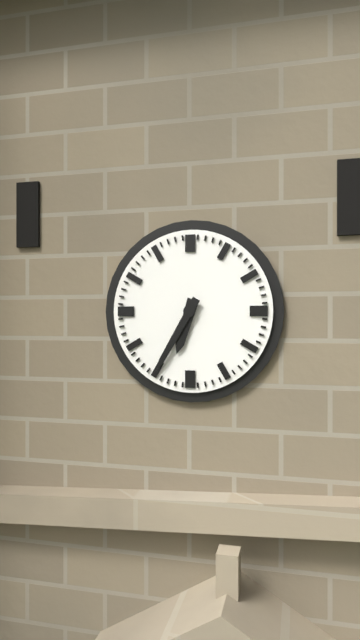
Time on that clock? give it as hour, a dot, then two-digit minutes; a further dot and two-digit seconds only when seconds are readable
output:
6.35
